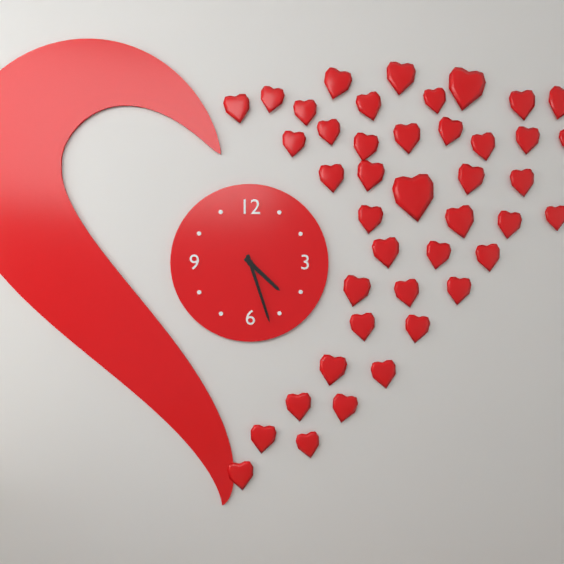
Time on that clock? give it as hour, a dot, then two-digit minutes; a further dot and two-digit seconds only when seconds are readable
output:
4.27
